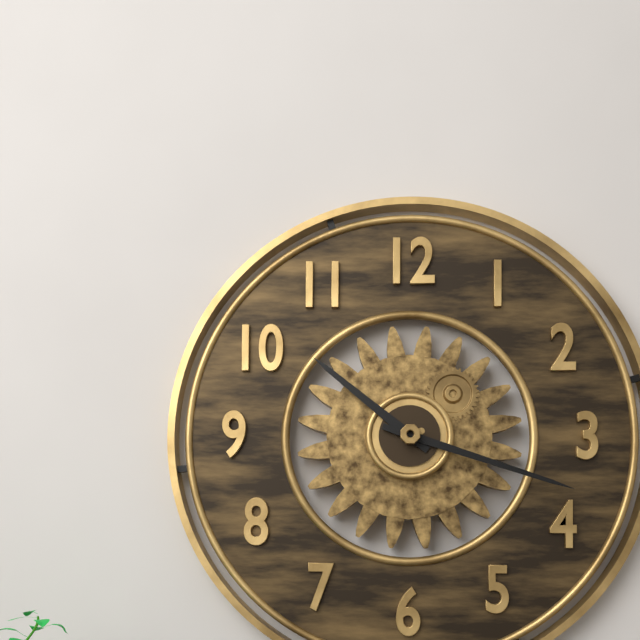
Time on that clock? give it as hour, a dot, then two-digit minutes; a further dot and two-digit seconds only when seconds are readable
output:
10.18
